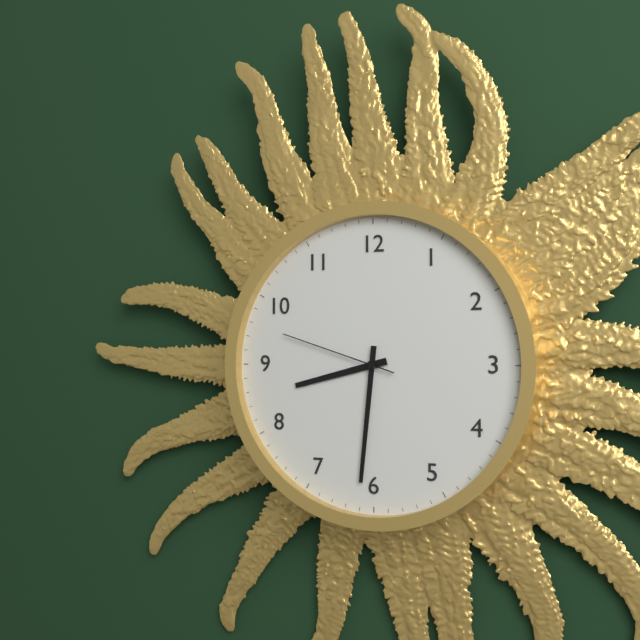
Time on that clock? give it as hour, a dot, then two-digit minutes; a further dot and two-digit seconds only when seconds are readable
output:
8.31.48
